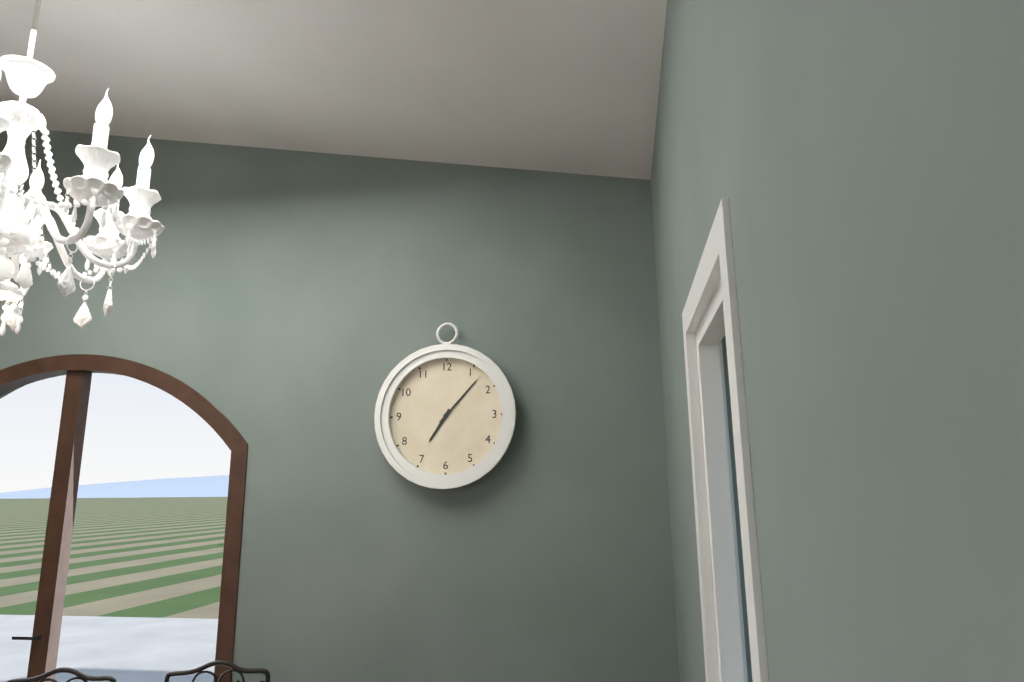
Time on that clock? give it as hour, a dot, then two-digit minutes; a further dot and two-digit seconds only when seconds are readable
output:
7.07
